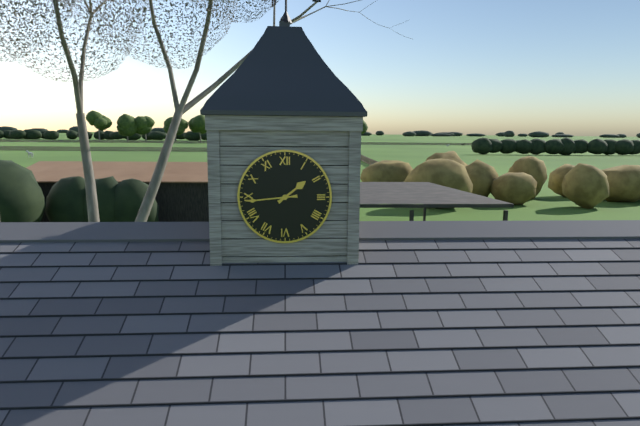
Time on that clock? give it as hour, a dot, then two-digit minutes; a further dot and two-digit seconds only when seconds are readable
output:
1.44
